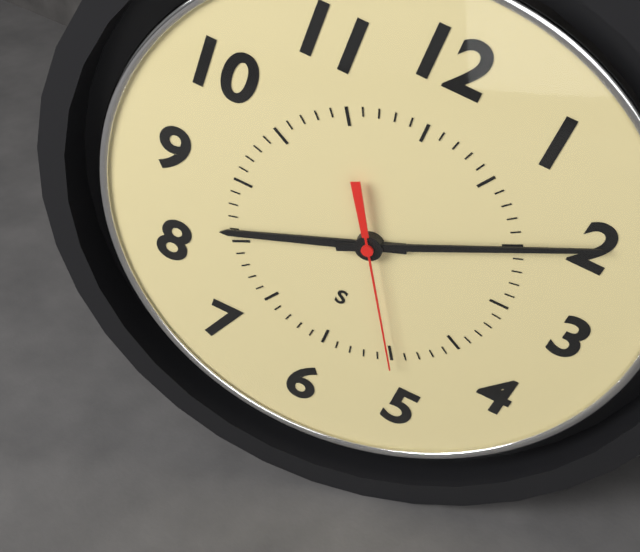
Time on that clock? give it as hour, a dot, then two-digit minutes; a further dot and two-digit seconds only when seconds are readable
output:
8.10.25
